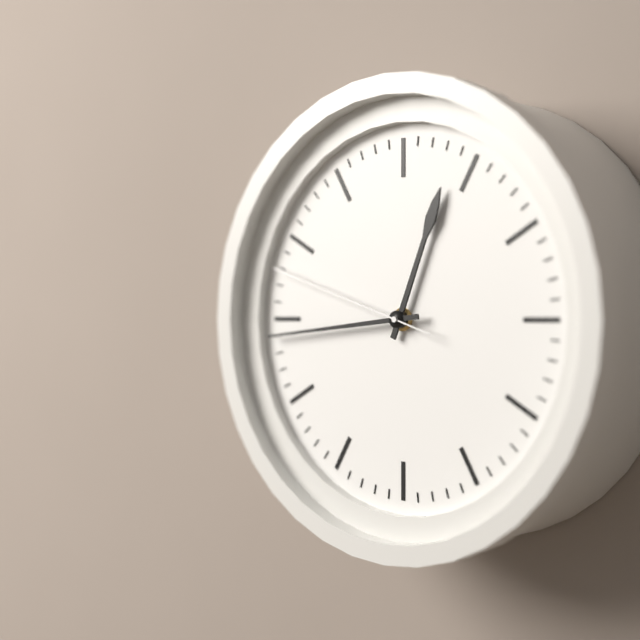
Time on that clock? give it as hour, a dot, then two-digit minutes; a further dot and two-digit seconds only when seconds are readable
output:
12.44.48
